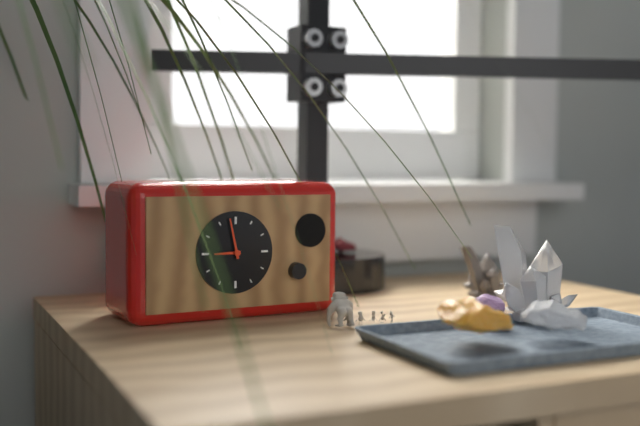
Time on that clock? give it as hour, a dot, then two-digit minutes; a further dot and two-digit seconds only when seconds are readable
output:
8.58
